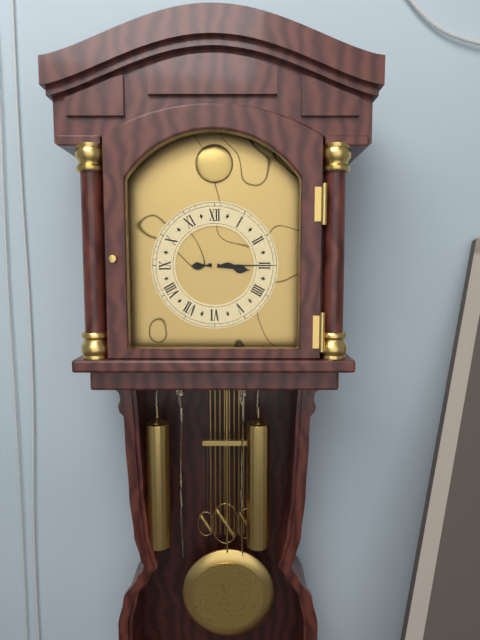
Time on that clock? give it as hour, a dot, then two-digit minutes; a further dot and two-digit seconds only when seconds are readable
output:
3.15
